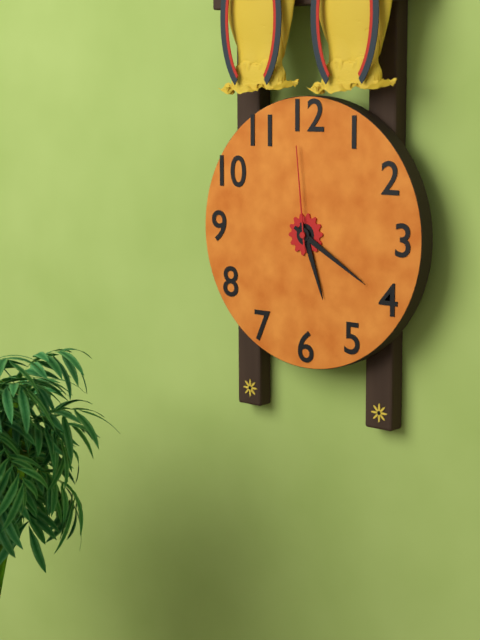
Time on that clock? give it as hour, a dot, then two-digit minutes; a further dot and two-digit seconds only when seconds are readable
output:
5.20.59
